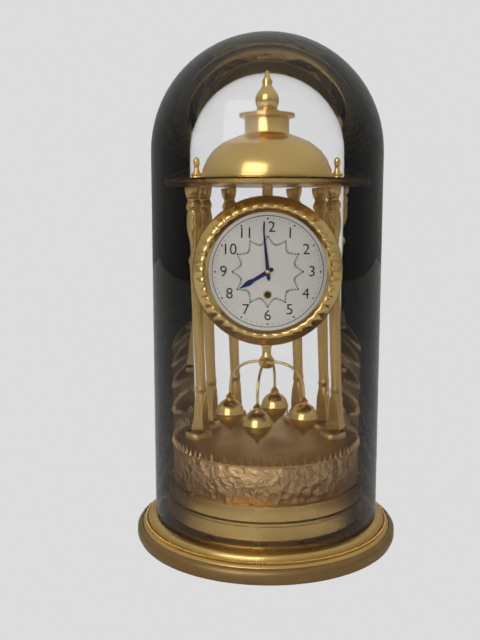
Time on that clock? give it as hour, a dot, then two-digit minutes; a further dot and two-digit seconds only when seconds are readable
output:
7.59
